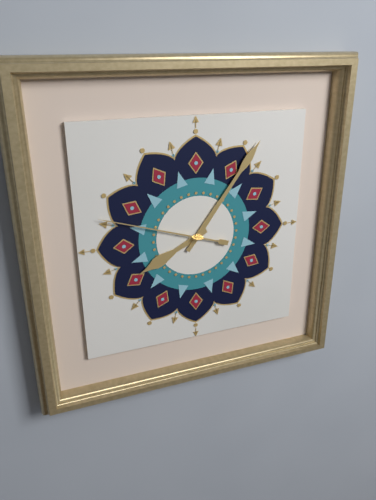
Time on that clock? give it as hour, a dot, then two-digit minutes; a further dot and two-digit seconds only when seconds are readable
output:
8.06.48
